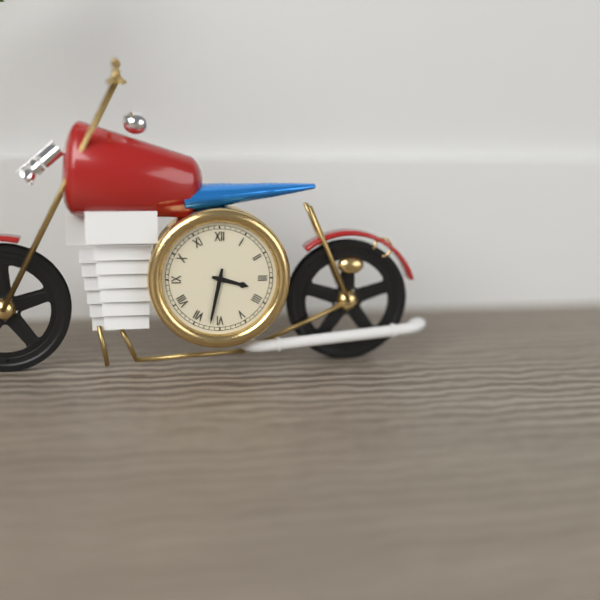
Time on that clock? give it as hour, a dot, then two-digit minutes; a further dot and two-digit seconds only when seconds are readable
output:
3.32
